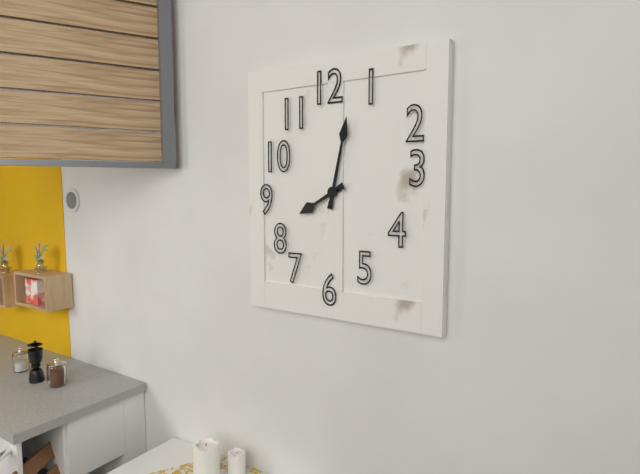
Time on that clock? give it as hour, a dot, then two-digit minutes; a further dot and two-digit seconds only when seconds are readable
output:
8.02
